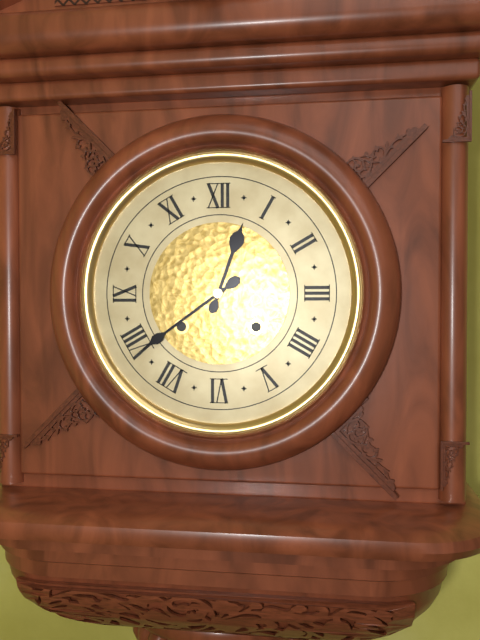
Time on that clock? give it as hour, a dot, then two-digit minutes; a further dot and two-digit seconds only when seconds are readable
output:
12.39
